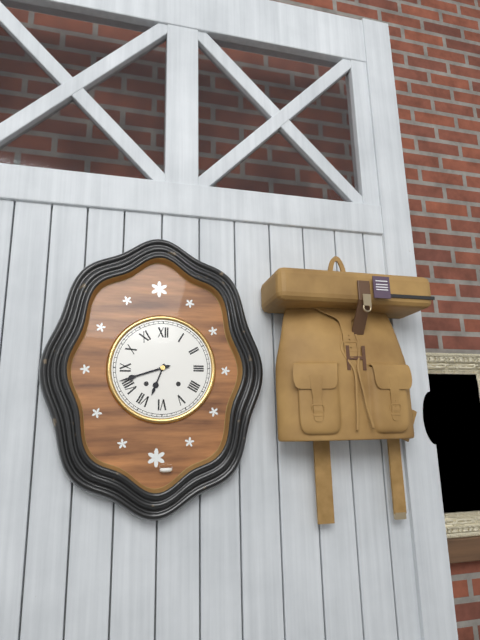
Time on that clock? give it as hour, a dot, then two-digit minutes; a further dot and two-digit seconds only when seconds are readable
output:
6.42
